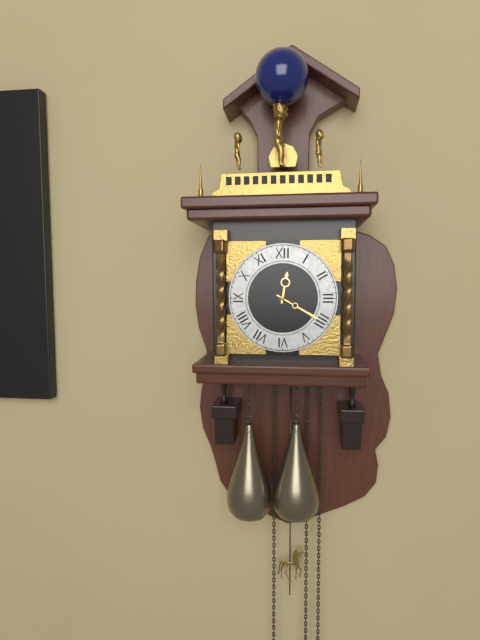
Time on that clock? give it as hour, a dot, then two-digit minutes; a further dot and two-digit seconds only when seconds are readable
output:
12.20
